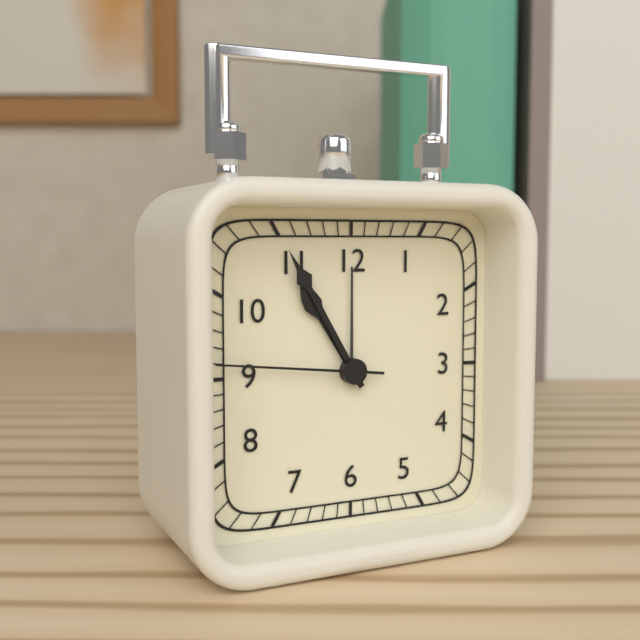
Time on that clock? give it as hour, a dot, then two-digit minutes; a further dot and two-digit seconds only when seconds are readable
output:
10.55.46
